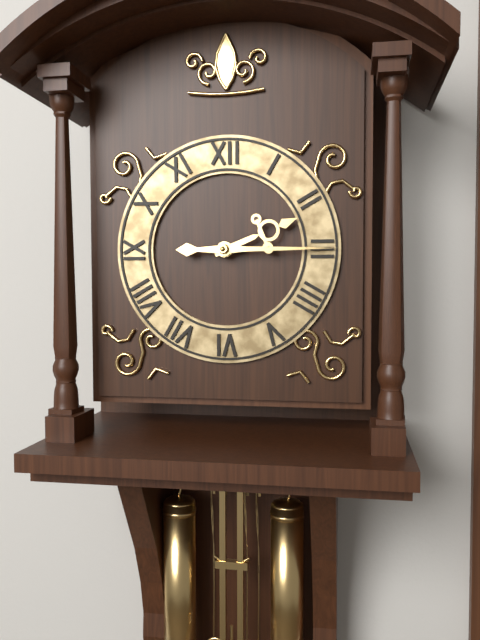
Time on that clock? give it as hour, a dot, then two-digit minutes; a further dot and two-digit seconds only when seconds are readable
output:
2.15
